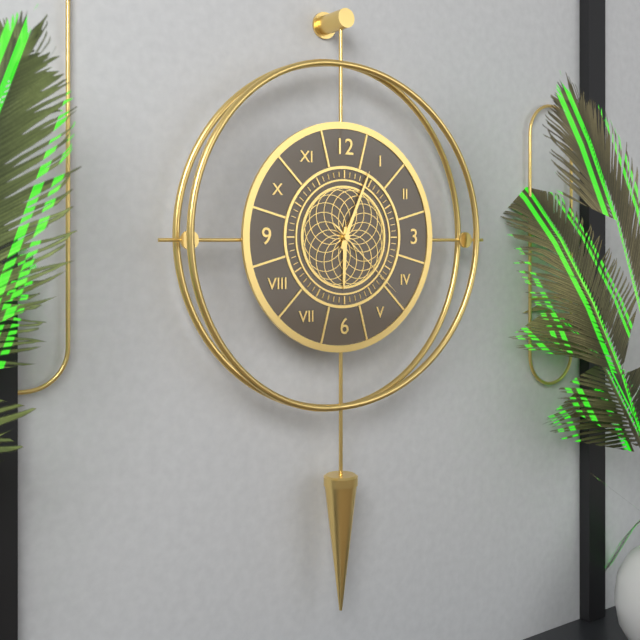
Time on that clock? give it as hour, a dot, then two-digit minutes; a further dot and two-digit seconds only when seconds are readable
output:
6.04.22
